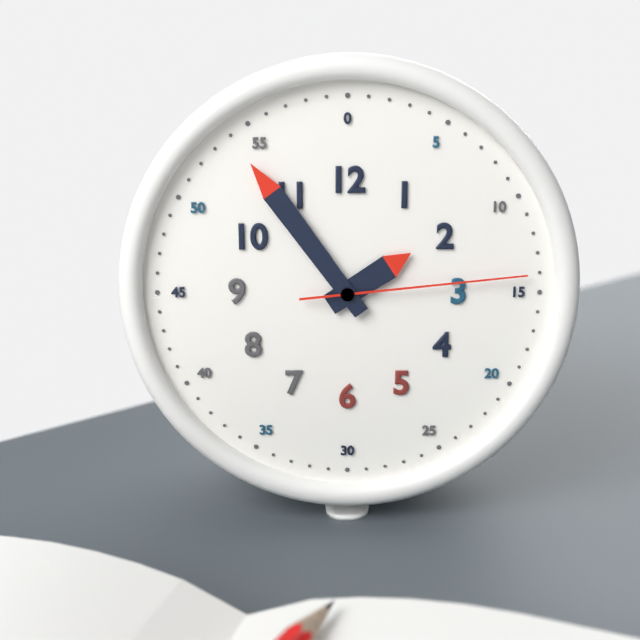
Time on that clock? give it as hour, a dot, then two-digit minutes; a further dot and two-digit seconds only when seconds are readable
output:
1.54.14
